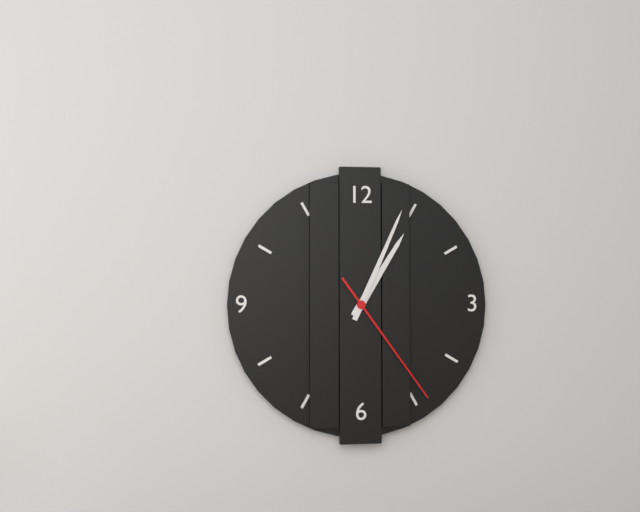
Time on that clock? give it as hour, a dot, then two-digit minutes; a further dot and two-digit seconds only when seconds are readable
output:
1.04.24
